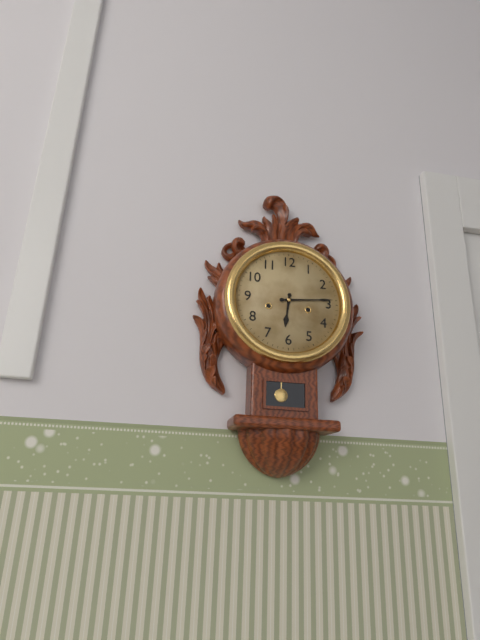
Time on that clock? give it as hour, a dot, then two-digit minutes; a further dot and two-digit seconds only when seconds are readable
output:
6.14
